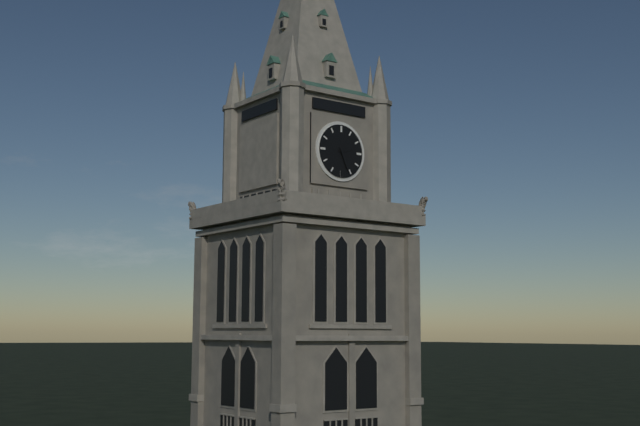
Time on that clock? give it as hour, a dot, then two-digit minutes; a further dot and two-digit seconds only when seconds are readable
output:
2.26
